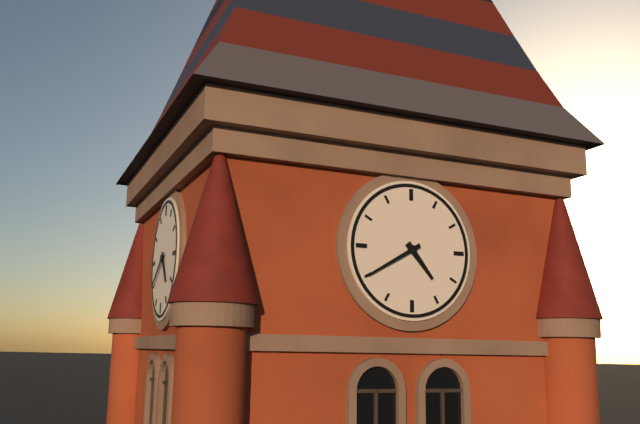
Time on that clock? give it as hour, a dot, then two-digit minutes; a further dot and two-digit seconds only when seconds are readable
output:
4.40
